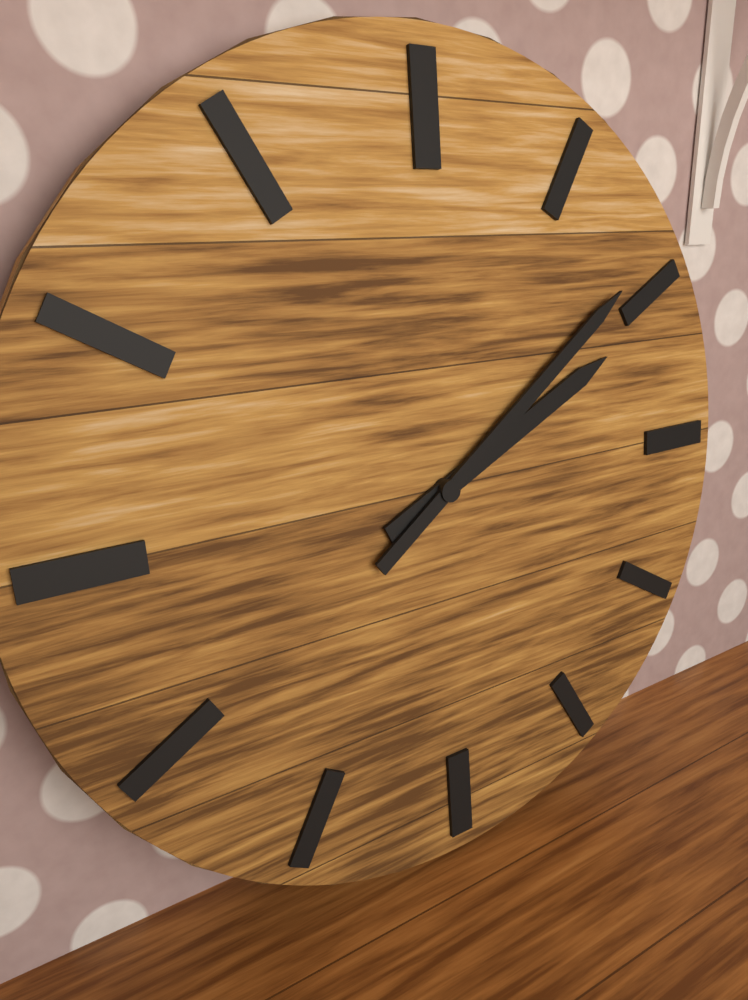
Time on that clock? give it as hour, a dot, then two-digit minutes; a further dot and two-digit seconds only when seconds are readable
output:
2.09
